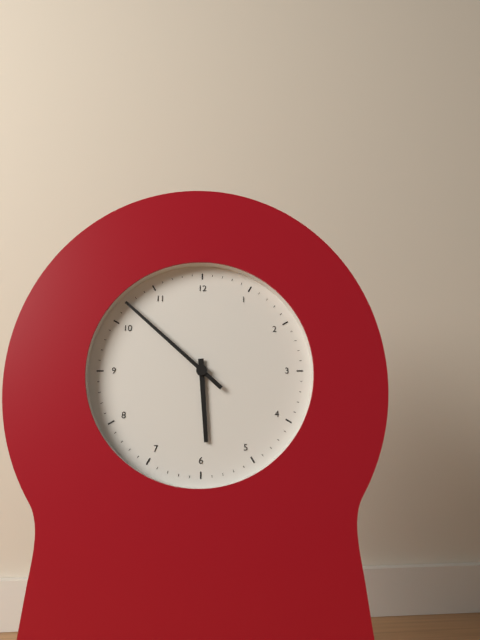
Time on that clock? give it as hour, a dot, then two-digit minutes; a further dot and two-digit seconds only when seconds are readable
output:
5.52
